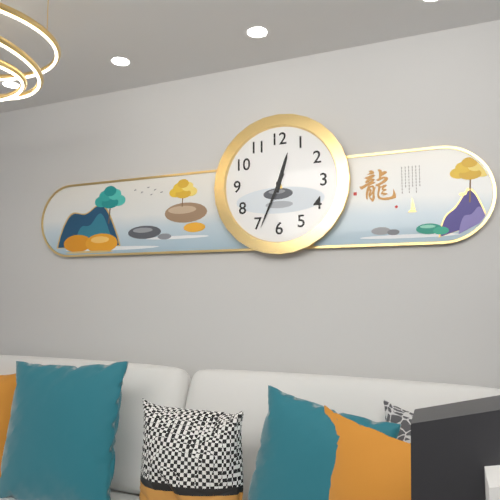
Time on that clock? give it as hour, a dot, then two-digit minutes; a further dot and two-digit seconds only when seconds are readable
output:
12.34
